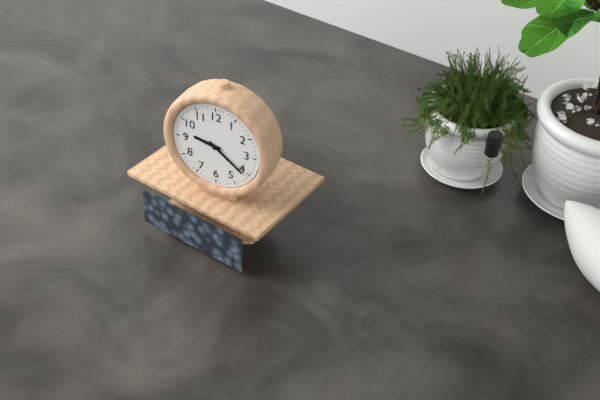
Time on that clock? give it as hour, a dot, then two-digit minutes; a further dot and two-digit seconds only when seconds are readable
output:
9.21
